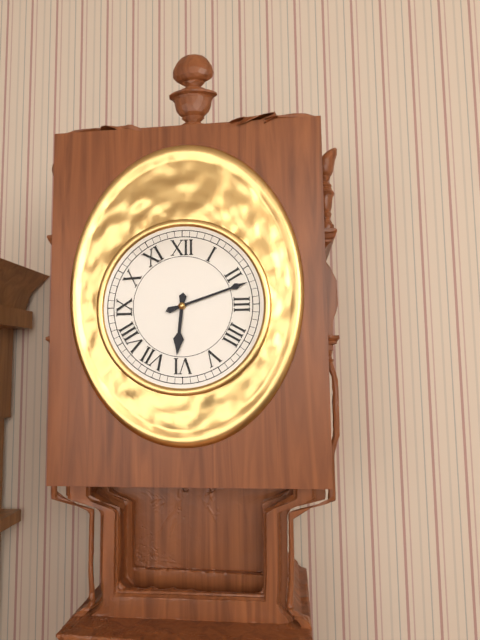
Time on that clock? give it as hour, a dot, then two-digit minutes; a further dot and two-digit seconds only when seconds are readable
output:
6.12
